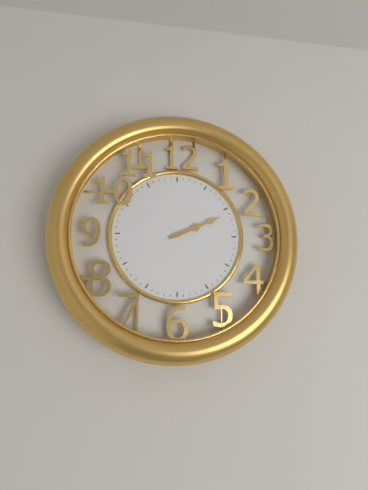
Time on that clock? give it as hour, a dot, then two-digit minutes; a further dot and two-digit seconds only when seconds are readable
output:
2.11
